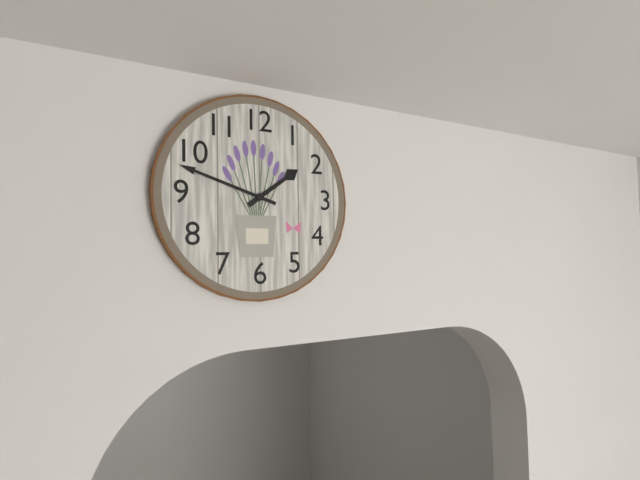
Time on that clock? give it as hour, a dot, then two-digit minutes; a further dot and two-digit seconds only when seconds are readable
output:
1.48
